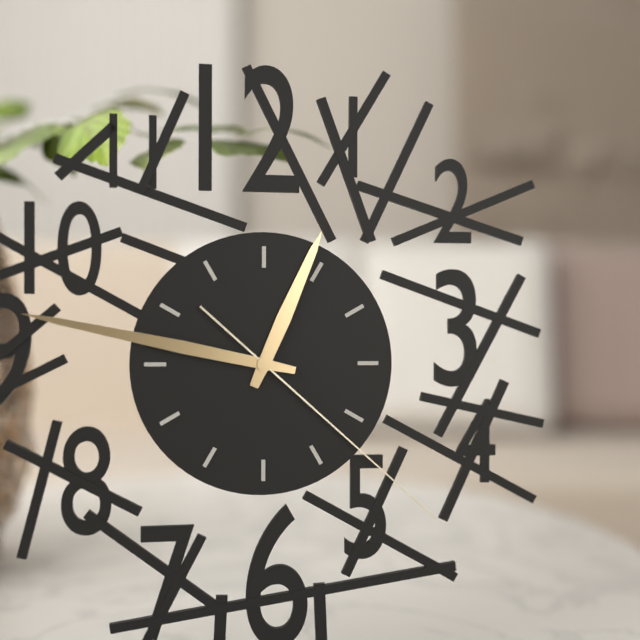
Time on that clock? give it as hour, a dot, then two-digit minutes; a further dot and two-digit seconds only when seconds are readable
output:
12.47.22
